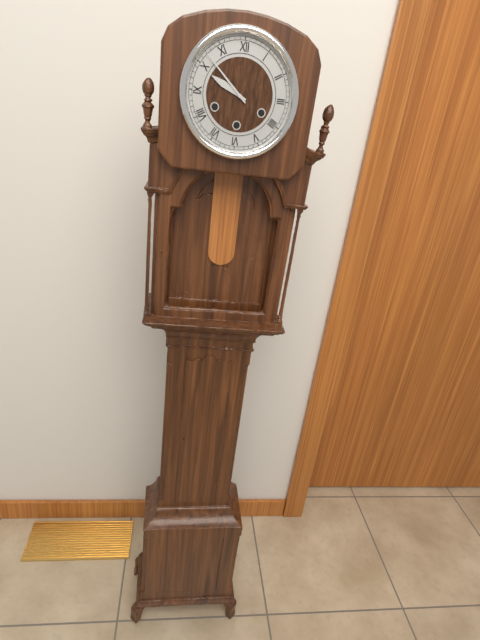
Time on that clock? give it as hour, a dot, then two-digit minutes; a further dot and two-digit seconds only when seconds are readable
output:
9.52
